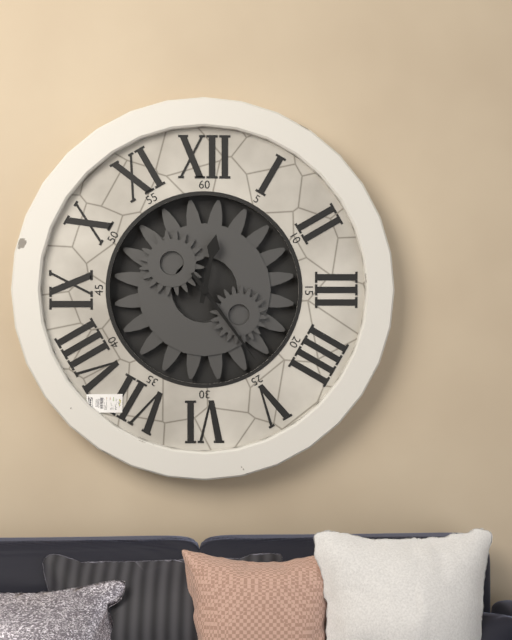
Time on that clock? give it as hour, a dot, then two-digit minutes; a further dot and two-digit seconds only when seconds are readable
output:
12.24
